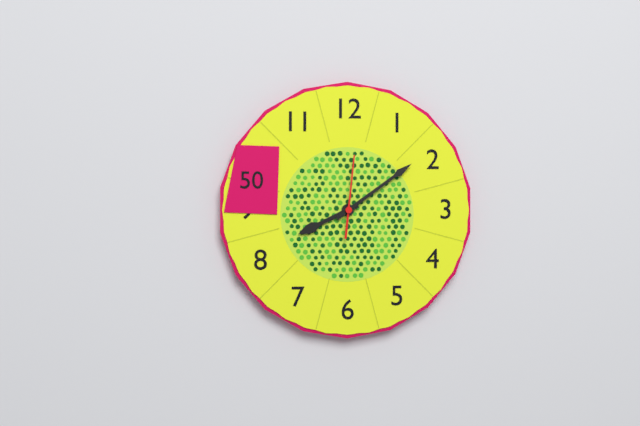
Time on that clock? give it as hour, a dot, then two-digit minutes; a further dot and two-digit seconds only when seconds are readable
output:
8.09.01
